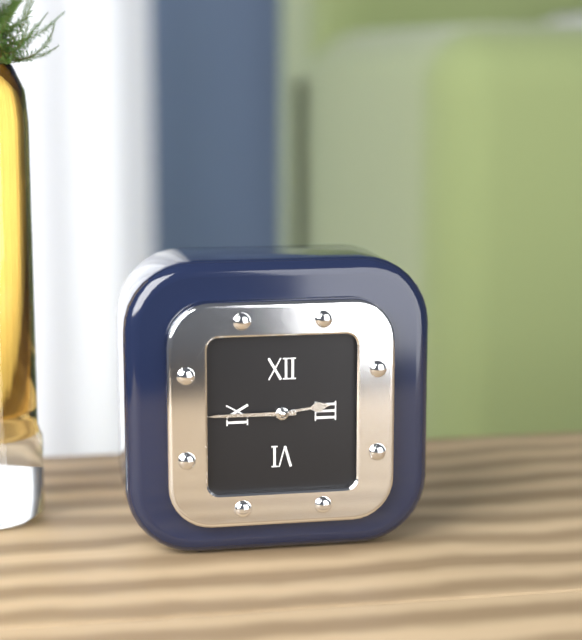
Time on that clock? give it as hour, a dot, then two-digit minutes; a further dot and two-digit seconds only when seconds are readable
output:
2.45
